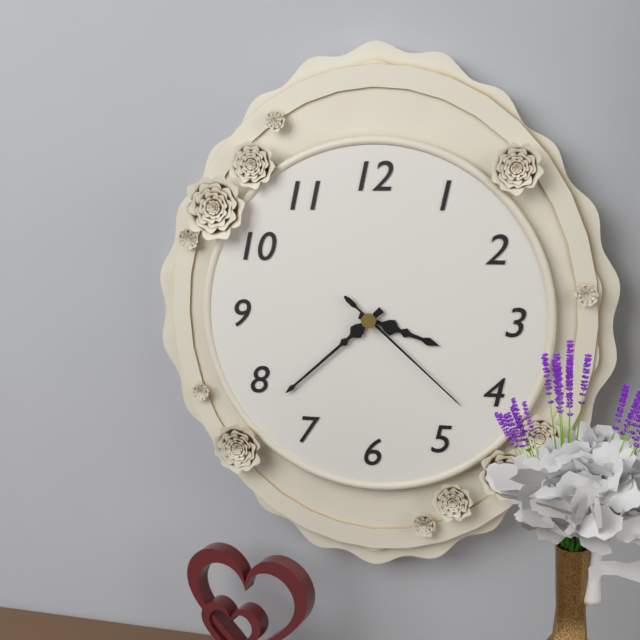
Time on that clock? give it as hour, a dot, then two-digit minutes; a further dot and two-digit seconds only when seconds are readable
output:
3.38.22
